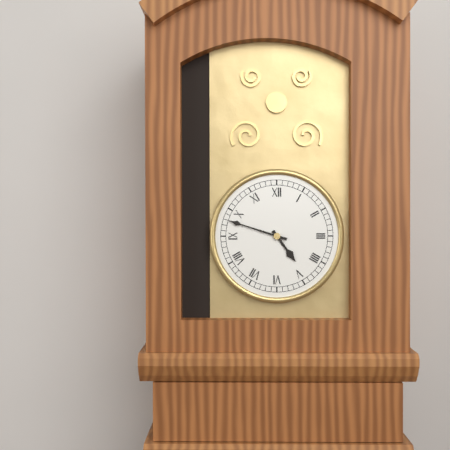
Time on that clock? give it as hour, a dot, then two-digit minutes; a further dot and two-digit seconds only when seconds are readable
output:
4.48
